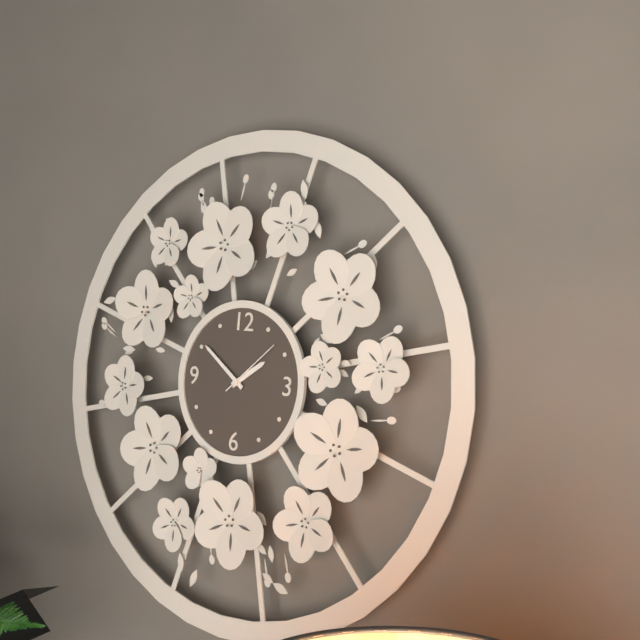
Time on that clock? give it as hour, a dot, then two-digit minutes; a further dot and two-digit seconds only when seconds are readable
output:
1.51.08
